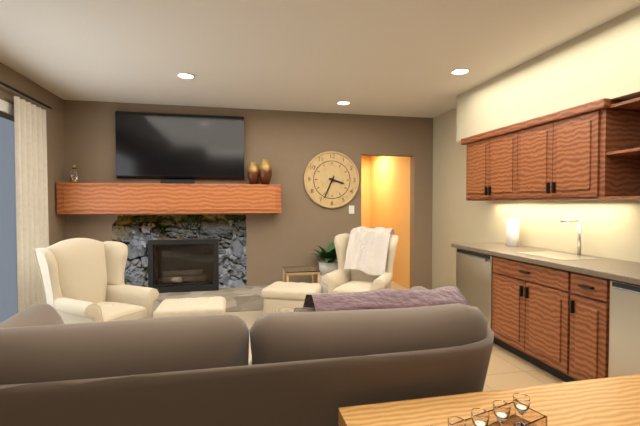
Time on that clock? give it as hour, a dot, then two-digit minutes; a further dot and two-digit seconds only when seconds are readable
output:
3.34
